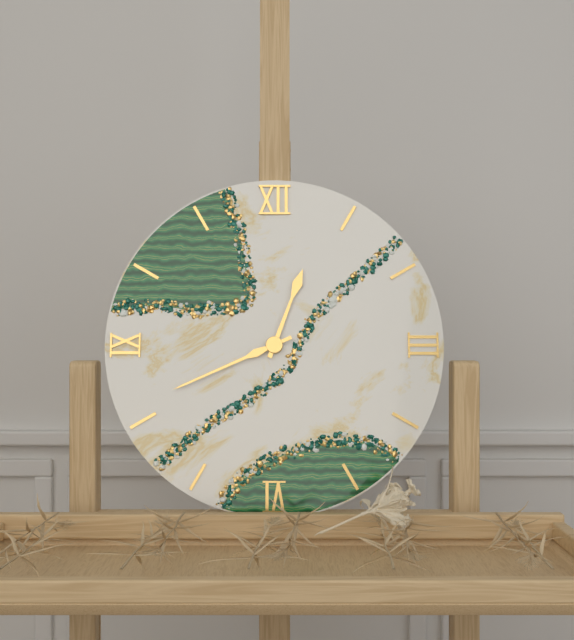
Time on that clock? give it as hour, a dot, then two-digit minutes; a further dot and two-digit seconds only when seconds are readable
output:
12.41
